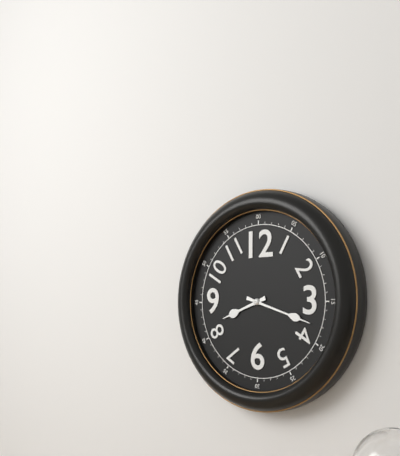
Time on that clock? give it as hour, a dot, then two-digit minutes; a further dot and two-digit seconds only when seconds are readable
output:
8.18
